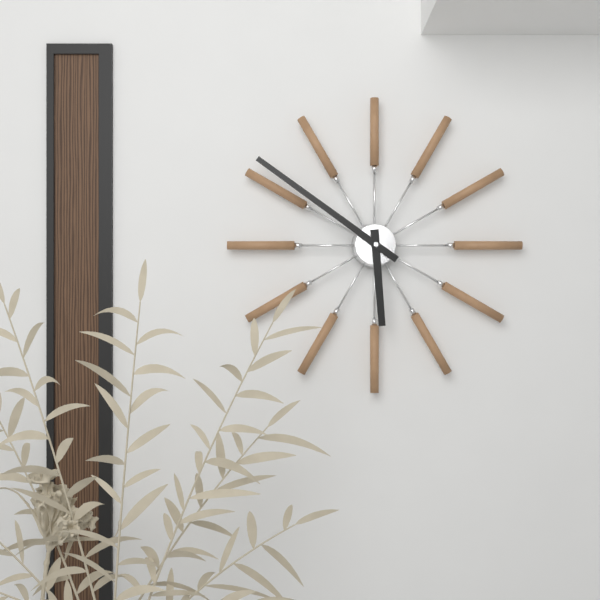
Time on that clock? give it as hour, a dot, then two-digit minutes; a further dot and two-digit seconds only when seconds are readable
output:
5.51
